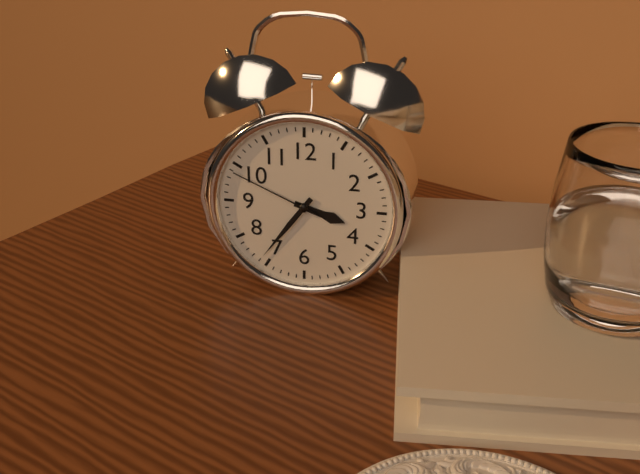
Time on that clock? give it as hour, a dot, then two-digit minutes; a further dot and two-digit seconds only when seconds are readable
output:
3.36.49
